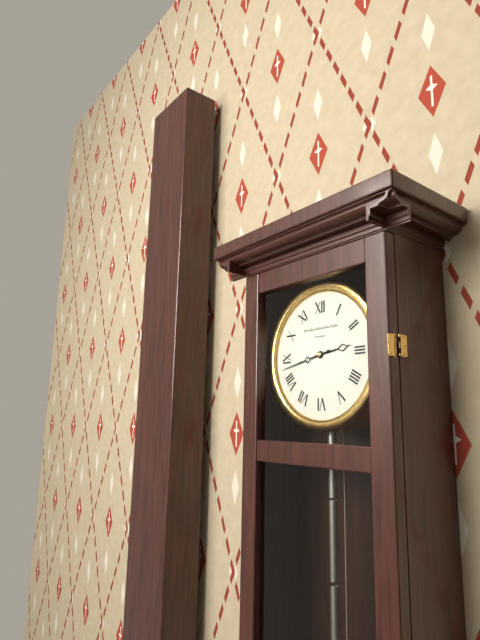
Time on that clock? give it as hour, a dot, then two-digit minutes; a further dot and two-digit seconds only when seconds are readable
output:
2.43
